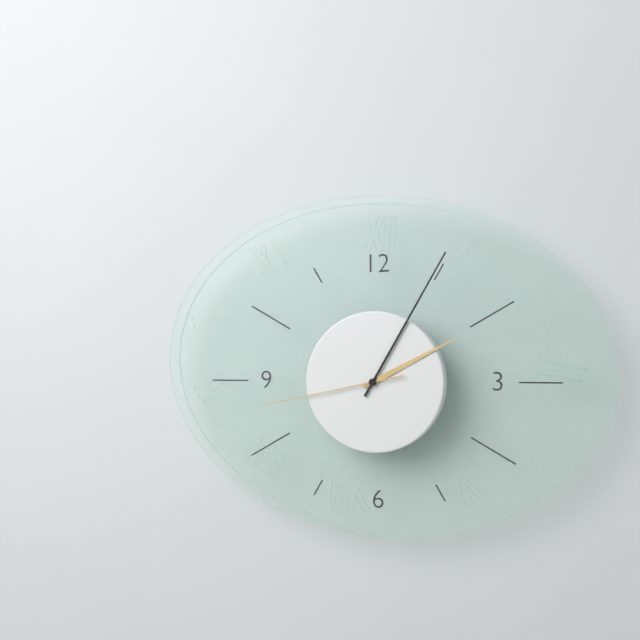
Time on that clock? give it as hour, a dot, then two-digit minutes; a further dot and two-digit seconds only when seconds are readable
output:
2.05.43
